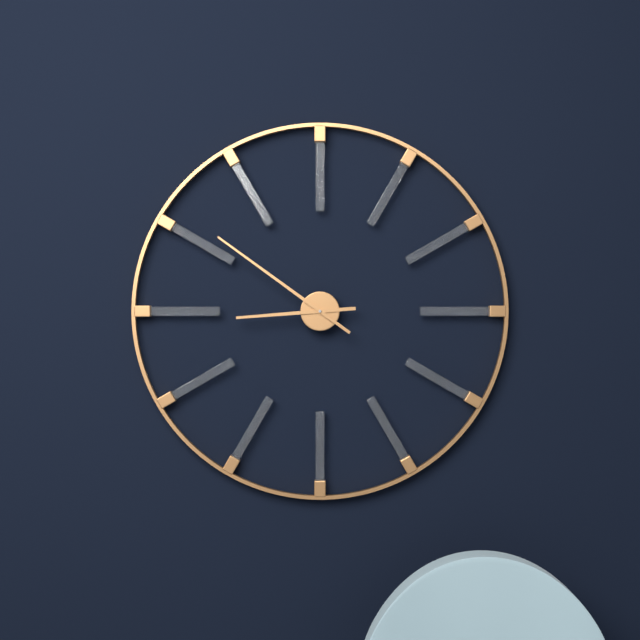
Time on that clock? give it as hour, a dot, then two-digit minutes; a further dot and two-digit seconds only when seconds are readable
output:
8.51
